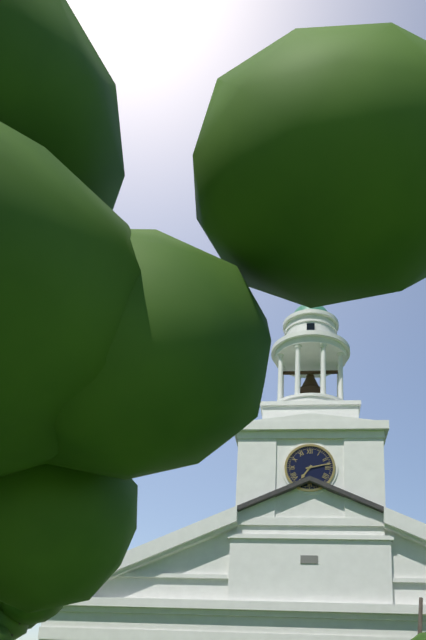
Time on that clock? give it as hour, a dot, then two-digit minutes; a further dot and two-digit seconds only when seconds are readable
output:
7.13
